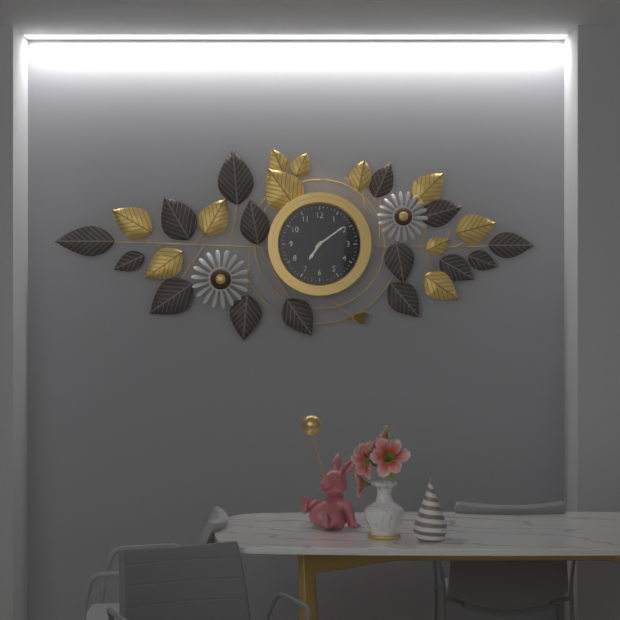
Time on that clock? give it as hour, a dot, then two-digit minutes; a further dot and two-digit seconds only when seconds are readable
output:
7.09
